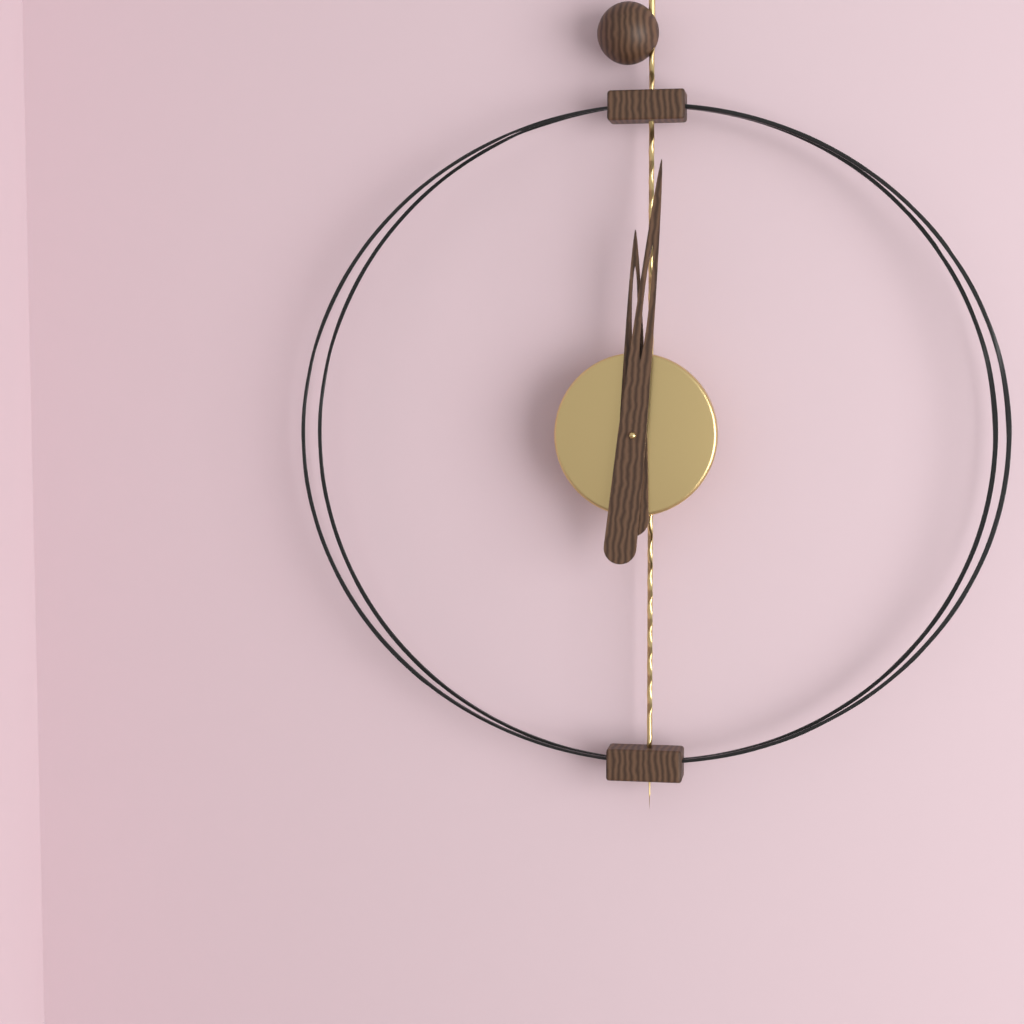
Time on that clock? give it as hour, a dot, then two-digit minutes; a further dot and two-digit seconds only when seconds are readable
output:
12.01
